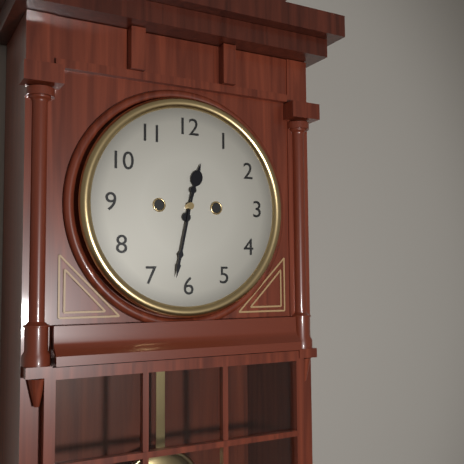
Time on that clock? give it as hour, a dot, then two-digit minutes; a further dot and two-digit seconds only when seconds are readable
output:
12.32
